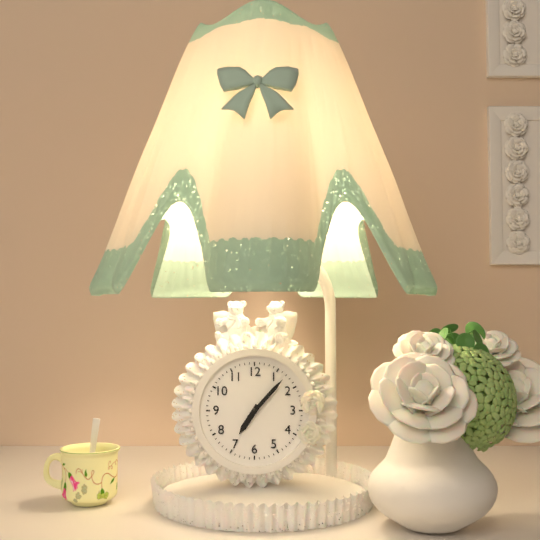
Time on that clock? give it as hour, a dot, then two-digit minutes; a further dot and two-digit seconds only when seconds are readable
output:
7.07
